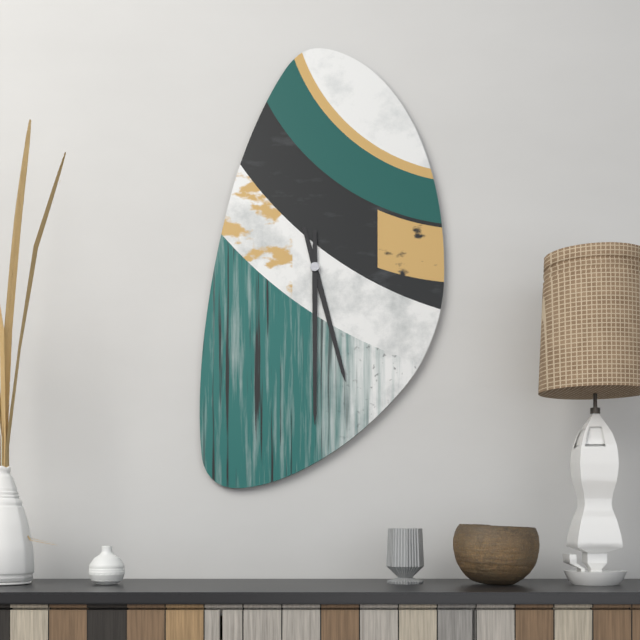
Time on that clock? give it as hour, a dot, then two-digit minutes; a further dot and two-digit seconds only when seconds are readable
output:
5.30
